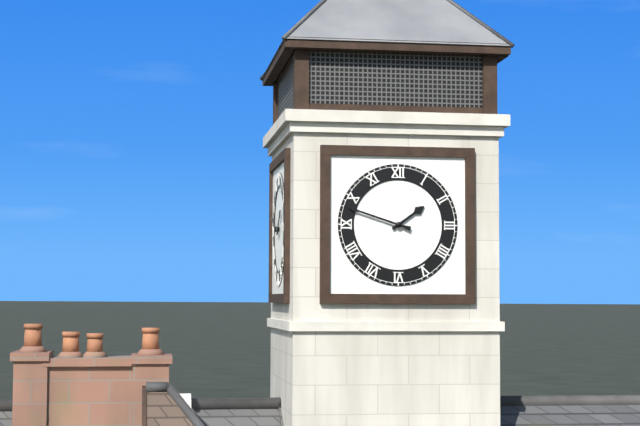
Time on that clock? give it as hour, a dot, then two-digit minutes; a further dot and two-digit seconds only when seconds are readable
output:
1.48
